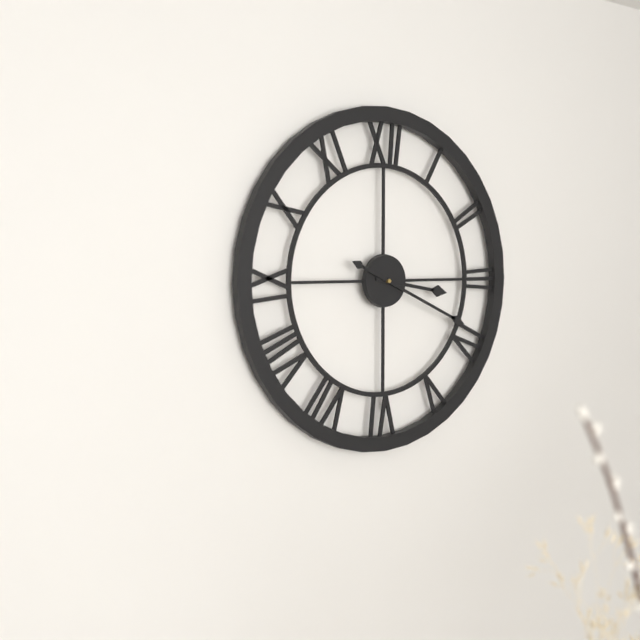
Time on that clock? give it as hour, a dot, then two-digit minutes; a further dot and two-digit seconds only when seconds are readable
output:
3.19
